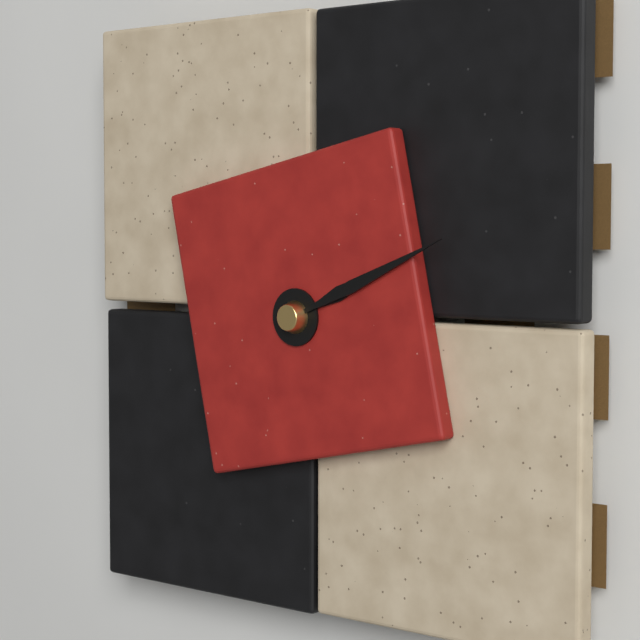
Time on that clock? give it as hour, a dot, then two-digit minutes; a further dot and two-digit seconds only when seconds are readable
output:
2.11
